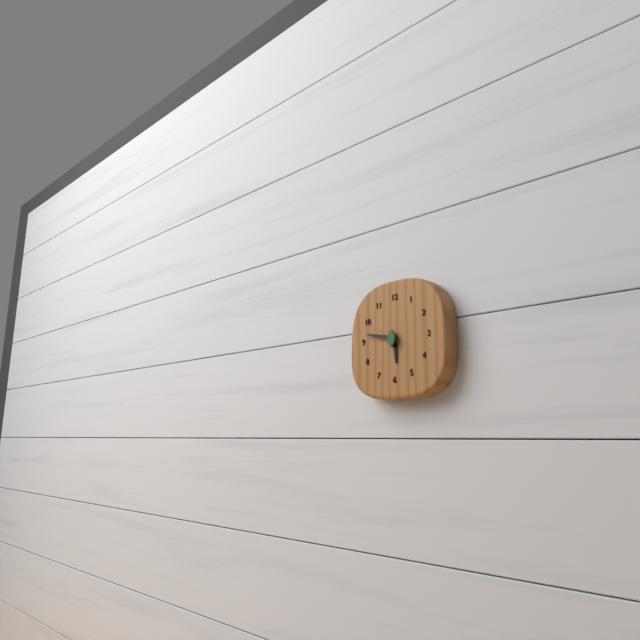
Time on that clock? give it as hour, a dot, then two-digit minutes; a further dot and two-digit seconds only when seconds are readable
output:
5.47
